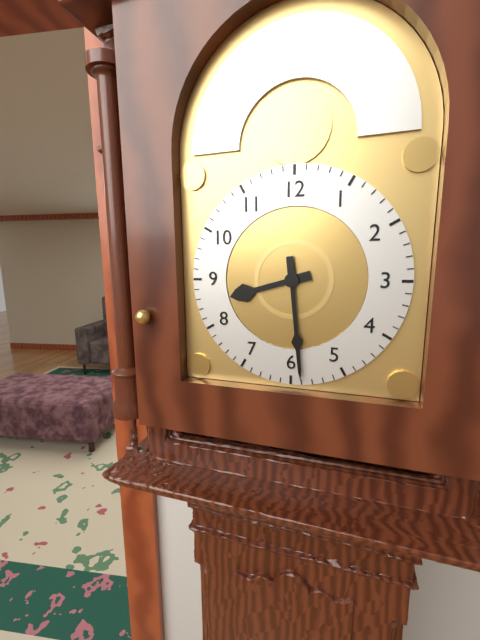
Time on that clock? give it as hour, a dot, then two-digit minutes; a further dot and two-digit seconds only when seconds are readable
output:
8.29
